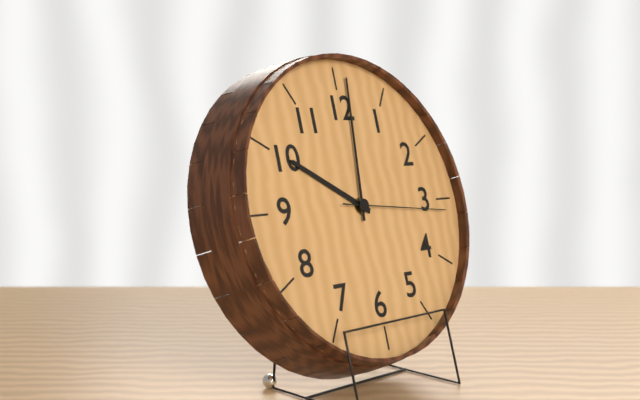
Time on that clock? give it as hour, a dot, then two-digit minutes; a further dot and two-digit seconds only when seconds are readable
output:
10.01.16
